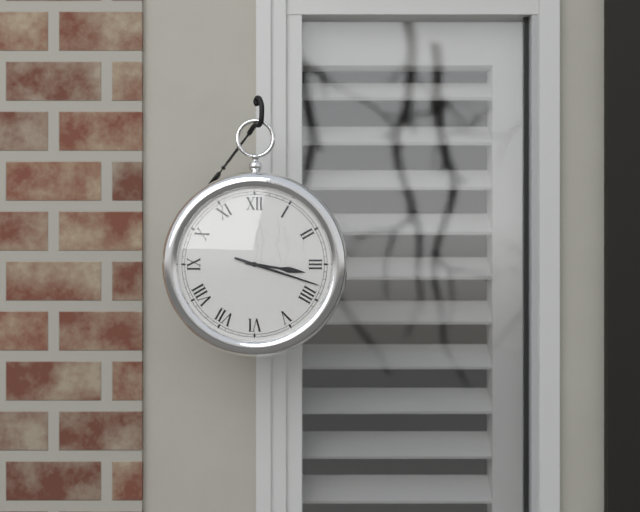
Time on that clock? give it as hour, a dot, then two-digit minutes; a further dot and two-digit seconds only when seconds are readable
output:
3.18
